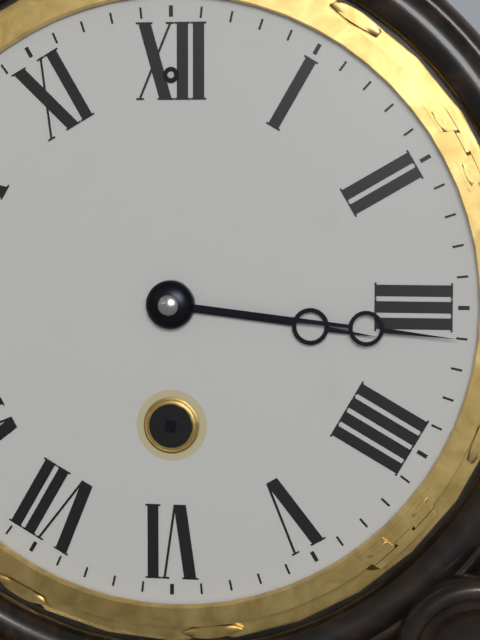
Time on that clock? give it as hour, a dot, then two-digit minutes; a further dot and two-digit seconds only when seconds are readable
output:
3.16
